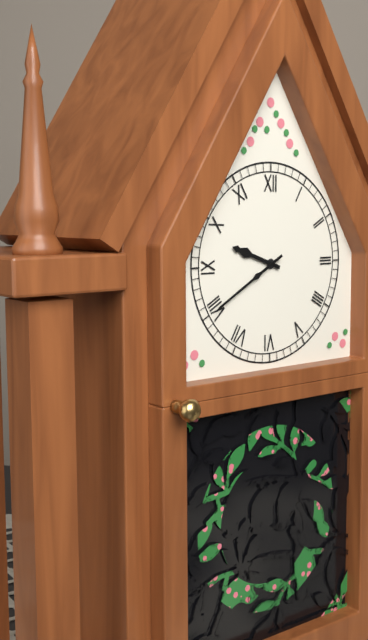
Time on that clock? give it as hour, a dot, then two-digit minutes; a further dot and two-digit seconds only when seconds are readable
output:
9.40
